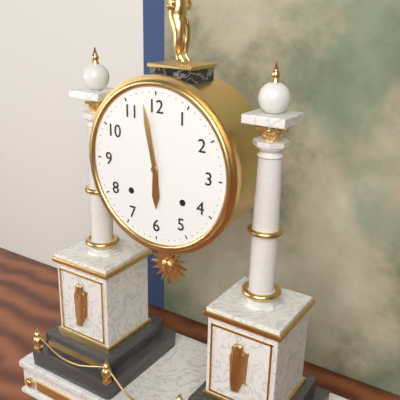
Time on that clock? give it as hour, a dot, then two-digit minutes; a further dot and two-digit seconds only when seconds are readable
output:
5.58
